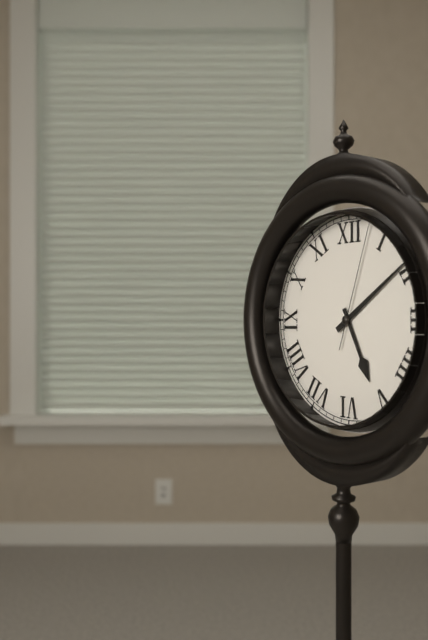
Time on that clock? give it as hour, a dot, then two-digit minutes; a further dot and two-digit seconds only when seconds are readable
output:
5.09.03
